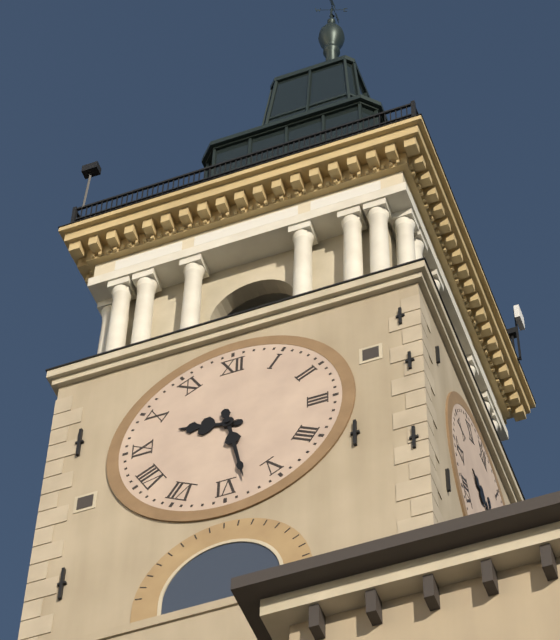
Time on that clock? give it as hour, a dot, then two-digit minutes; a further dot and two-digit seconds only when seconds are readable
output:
9.28
